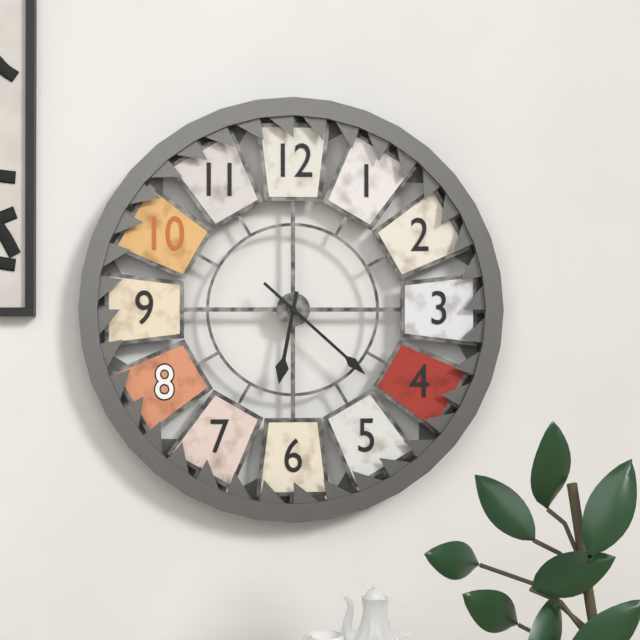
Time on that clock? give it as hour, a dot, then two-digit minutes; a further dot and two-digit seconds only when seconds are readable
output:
6.22
